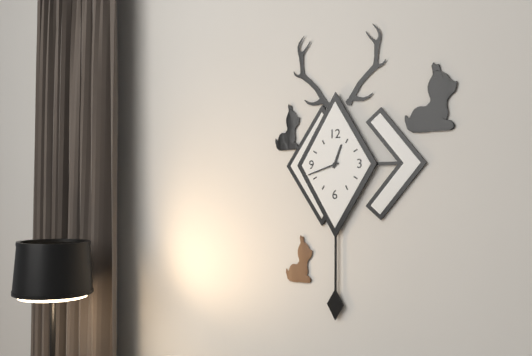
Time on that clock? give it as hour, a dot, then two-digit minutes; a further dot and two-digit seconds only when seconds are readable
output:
12.42
